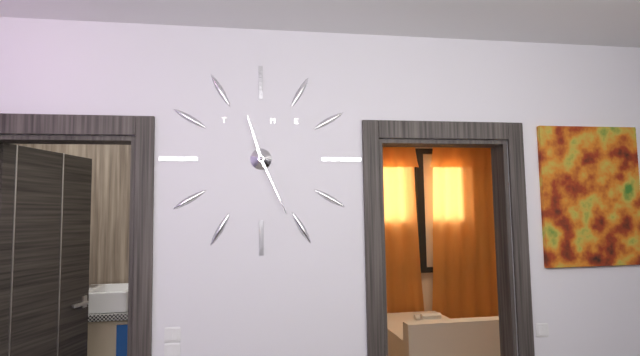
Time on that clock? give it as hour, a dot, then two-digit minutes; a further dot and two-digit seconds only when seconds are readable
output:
11.26
